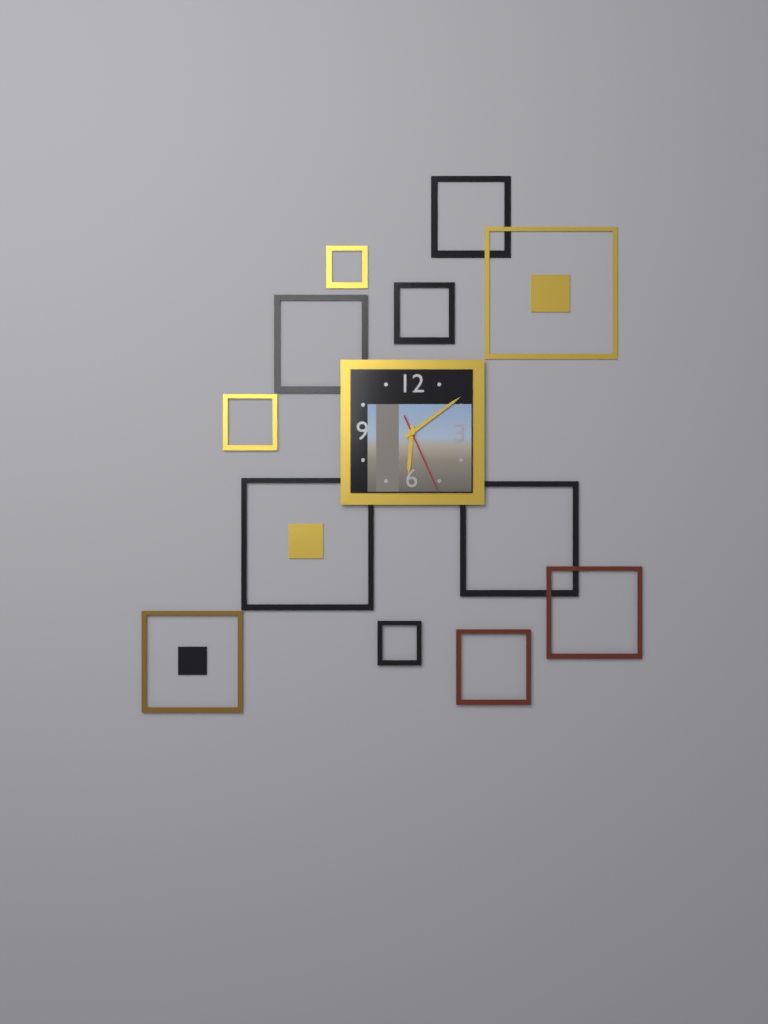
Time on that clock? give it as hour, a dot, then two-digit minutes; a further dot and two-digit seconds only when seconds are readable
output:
6.09.26
